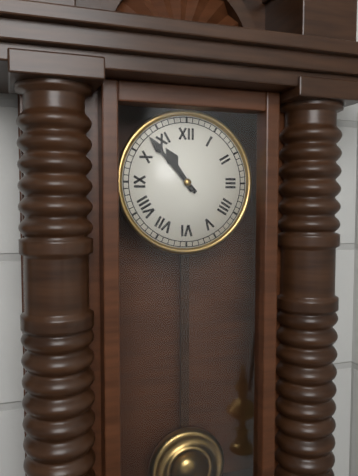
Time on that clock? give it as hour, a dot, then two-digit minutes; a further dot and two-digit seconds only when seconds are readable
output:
10.53
